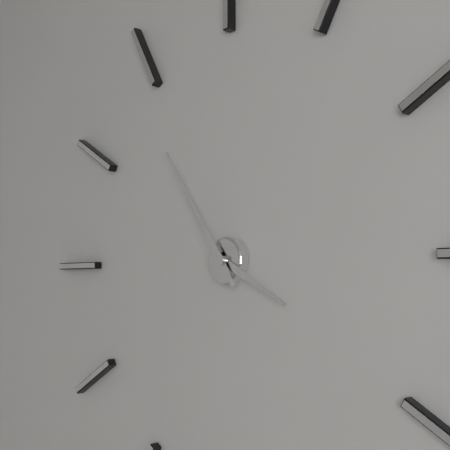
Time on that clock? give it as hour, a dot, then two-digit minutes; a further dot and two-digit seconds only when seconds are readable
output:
3.54
